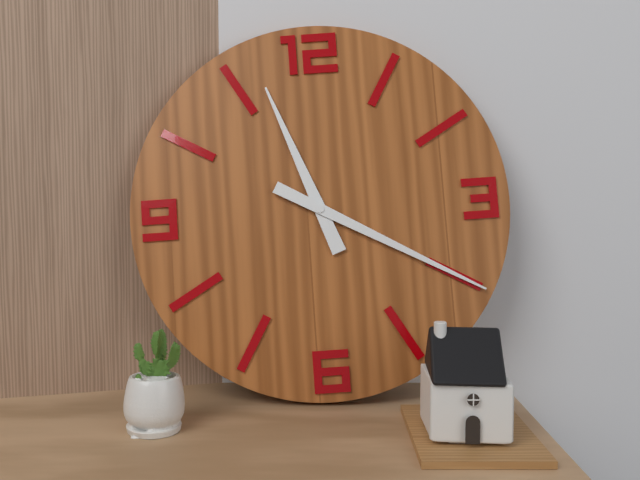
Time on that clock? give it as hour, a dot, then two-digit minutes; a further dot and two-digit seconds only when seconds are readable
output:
11.20
